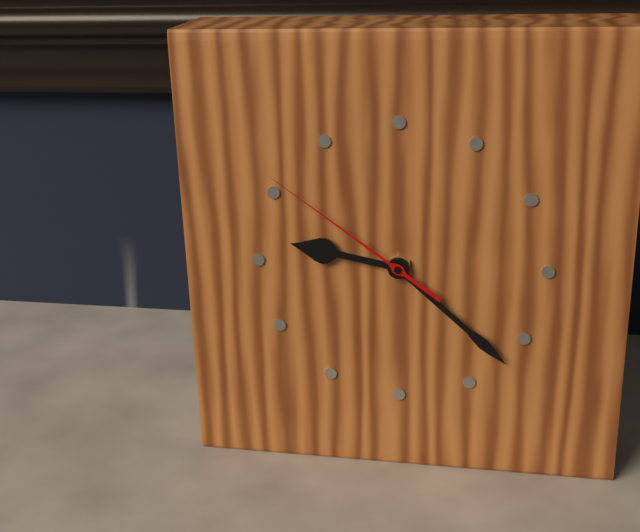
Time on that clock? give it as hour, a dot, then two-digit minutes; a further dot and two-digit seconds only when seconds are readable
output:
9.22.51
